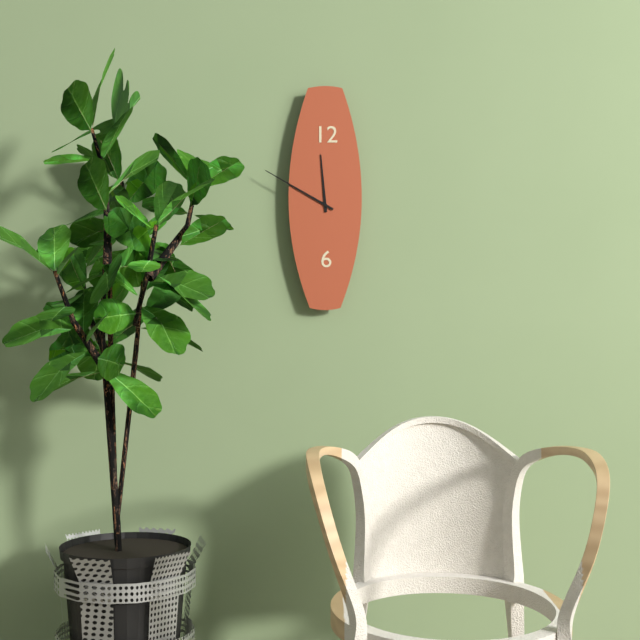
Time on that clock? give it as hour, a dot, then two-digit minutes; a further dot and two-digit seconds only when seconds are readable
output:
11.50
